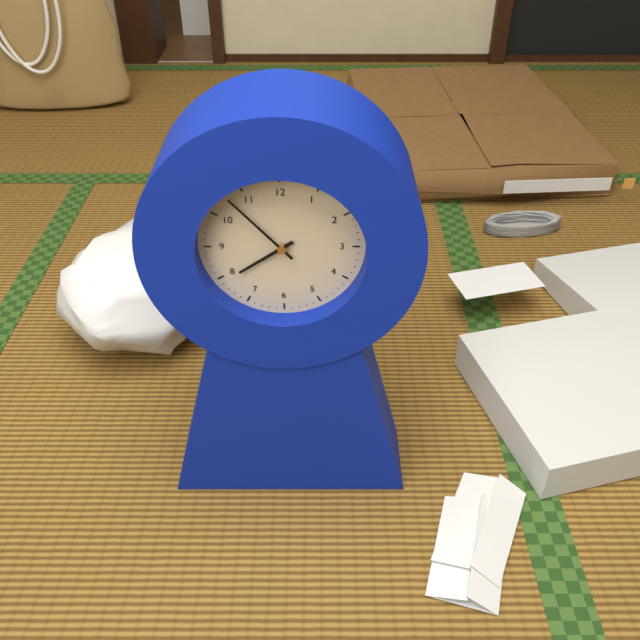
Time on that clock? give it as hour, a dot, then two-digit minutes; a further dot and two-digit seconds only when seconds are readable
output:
7.53
